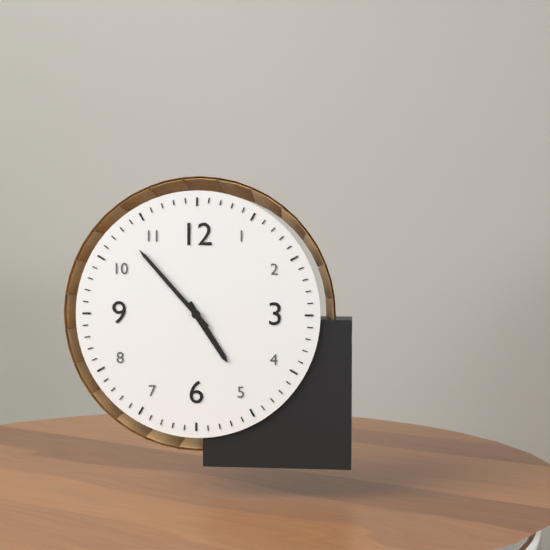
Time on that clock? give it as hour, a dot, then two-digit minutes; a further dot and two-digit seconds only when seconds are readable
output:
4.53
